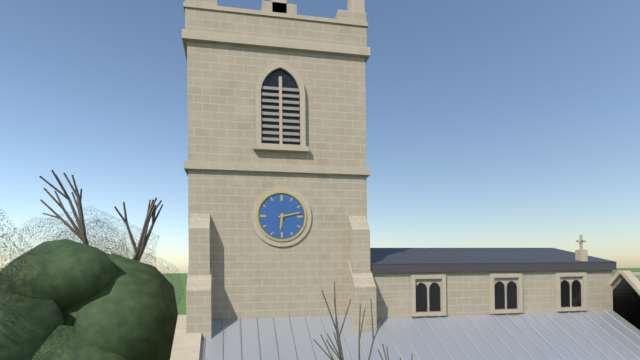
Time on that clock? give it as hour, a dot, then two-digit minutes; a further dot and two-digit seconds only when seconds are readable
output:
6.13
